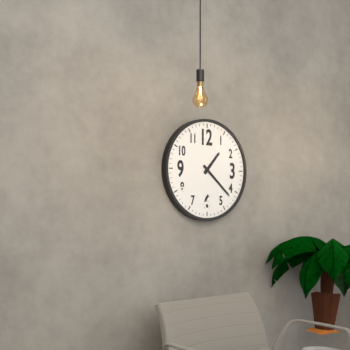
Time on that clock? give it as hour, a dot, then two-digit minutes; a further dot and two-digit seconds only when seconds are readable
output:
1.22
